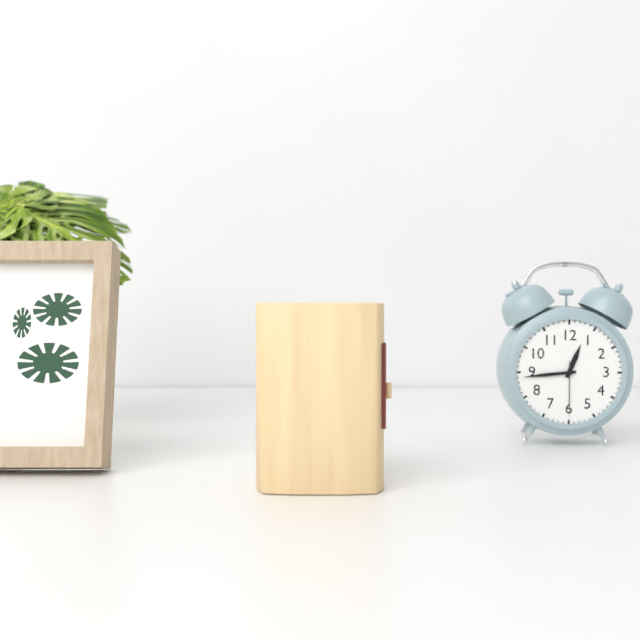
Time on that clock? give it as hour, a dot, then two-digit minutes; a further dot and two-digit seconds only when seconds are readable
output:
12.44.30
